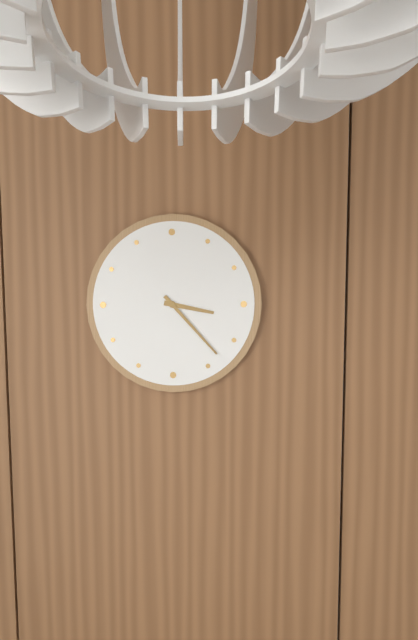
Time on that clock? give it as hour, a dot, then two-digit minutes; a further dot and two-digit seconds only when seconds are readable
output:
3.23
